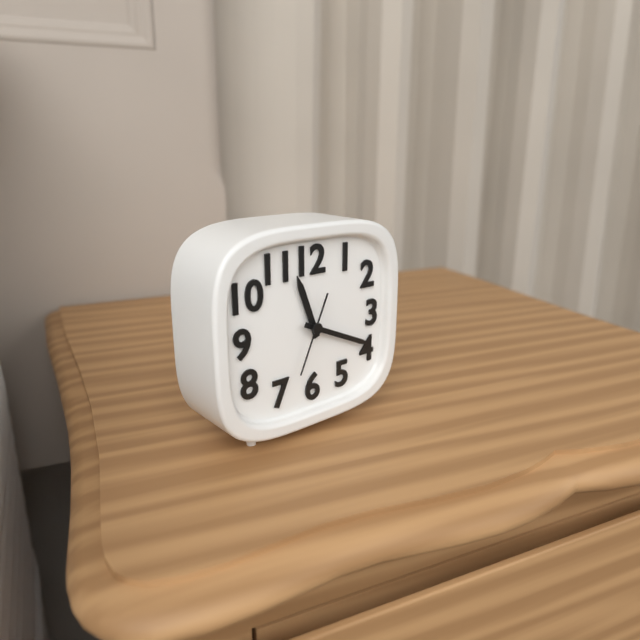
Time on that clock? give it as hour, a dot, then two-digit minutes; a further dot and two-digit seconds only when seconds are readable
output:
11.19.34
